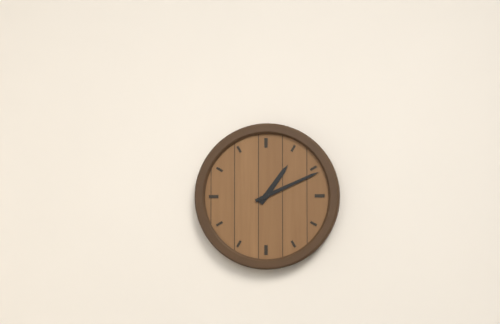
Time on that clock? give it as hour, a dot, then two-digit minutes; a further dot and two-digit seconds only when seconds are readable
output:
1.11
